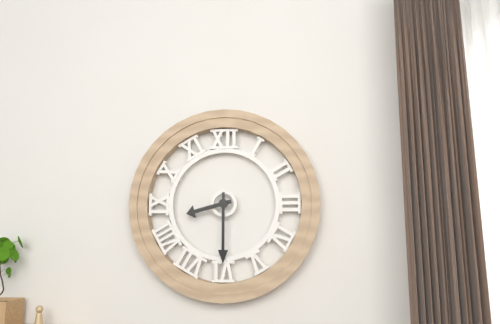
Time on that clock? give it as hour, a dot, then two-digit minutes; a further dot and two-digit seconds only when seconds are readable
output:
8.30
